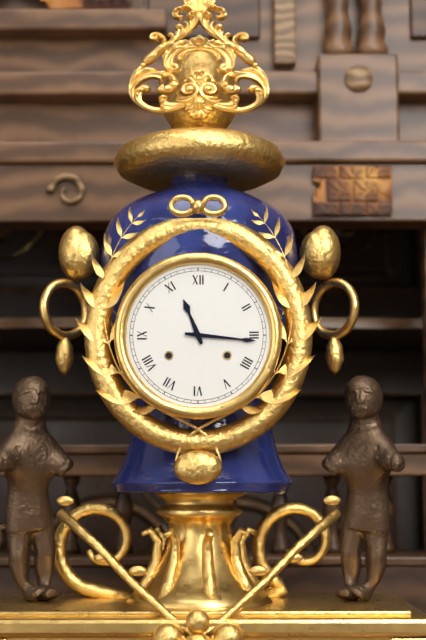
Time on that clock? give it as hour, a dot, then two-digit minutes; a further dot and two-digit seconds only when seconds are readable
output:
11.16
